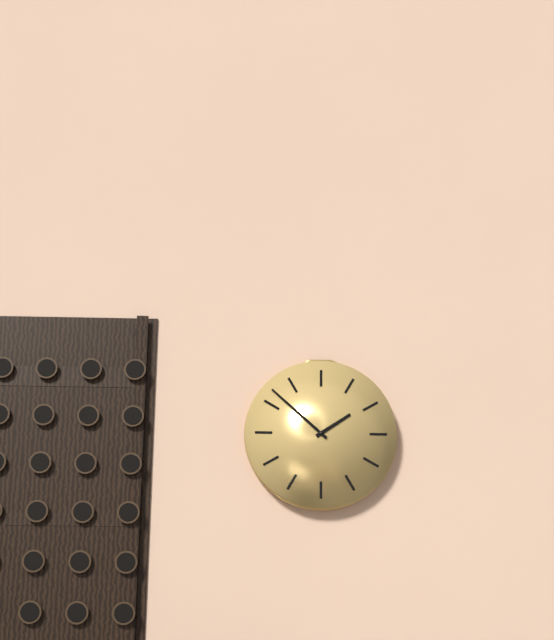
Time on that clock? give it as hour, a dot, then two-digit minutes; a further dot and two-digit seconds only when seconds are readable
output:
1.52
